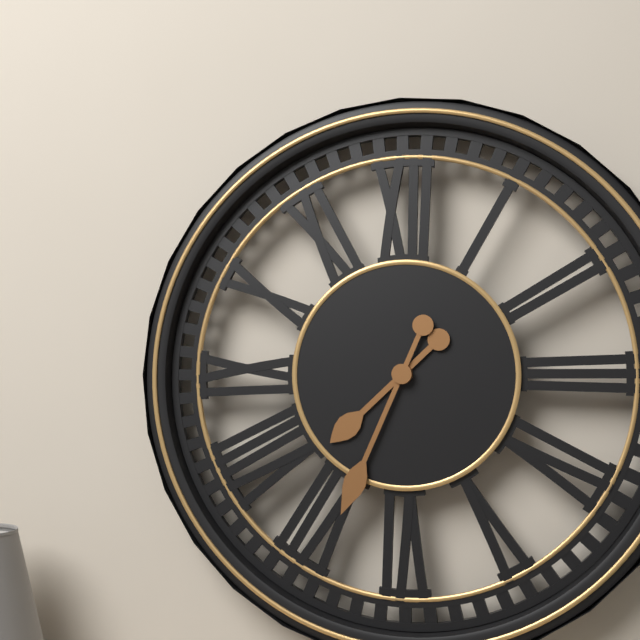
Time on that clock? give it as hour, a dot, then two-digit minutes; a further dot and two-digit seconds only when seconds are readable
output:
7.34
